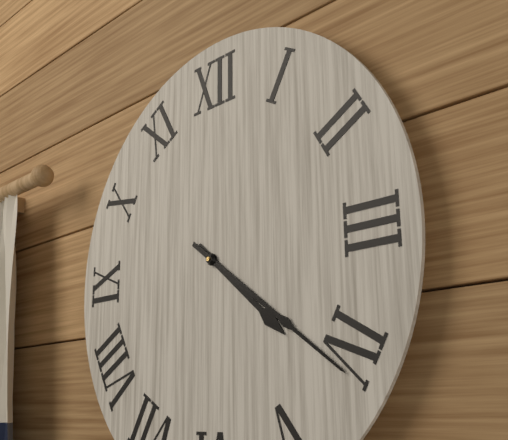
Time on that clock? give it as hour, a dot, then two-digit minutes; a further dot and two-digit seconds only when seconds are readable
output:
4.21
